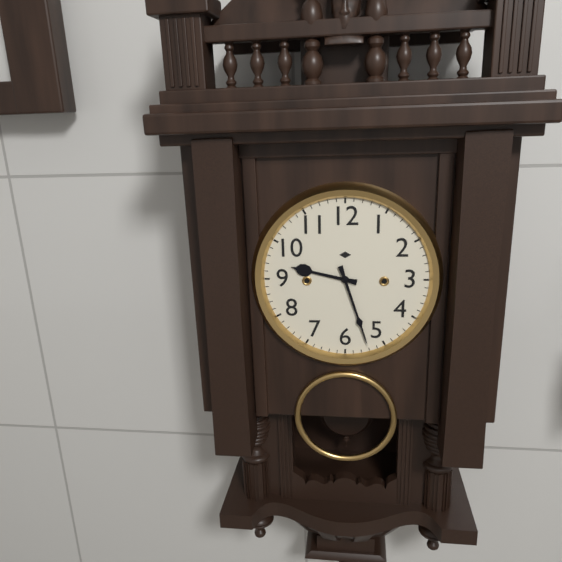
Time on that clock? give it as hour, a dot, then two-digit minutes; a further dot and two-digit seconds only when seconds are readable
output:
9.27
